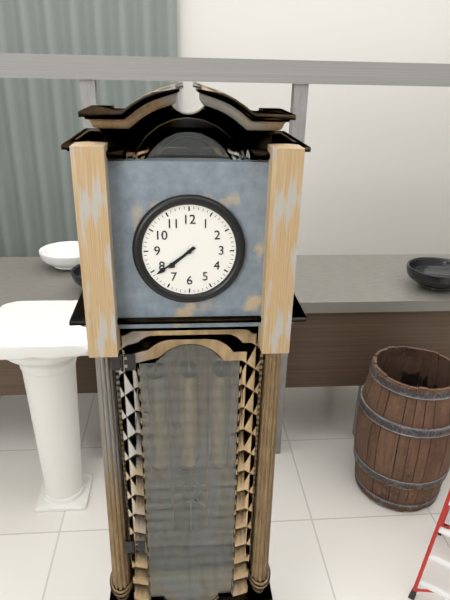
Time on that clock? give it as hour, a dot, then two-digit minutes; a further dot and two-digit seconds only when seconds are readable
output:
7.39
